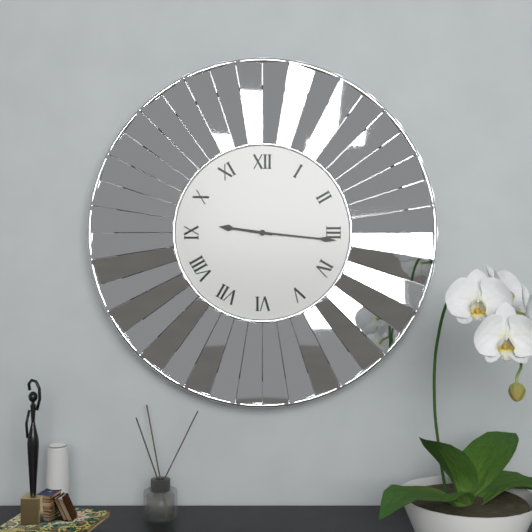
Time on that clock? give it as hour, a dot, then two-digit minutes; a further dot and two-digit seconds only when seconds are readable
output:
9.16
